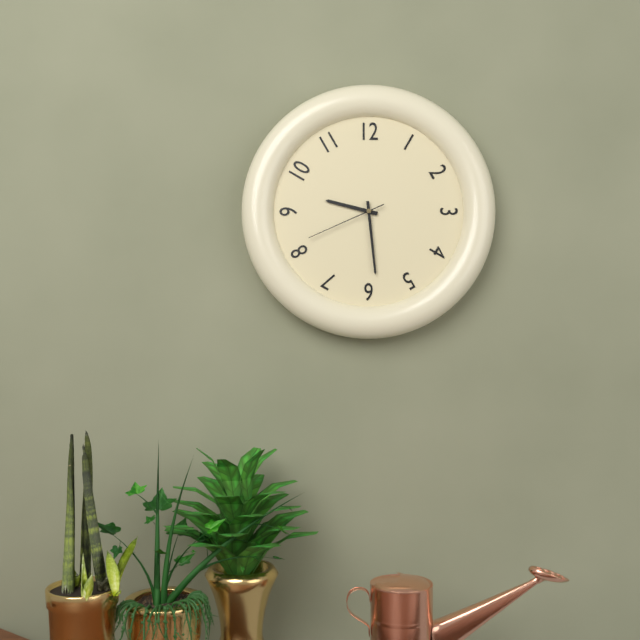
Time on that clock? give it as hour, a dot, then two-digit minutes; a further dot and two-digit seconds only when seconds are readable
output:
9.29.41
